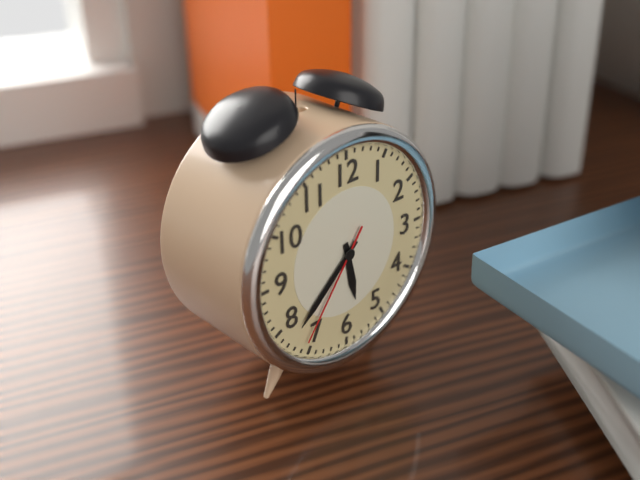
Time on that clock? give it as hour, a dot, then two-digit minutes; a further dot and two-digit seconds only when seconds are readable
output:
5.38.36
